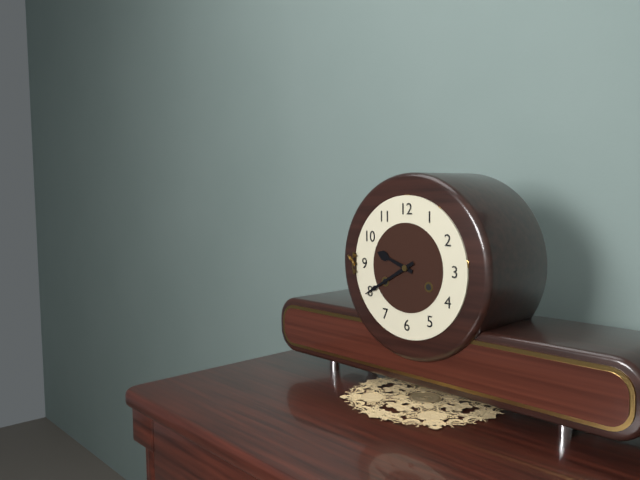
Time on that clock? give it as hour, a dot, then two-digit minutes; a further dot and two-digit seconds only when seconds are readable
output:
9.40
